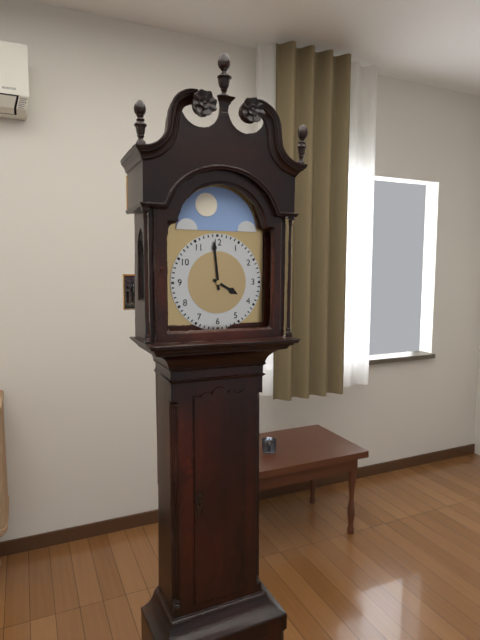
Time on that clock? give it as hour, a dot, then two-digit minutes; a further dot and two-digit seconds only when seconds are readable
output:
3.59
